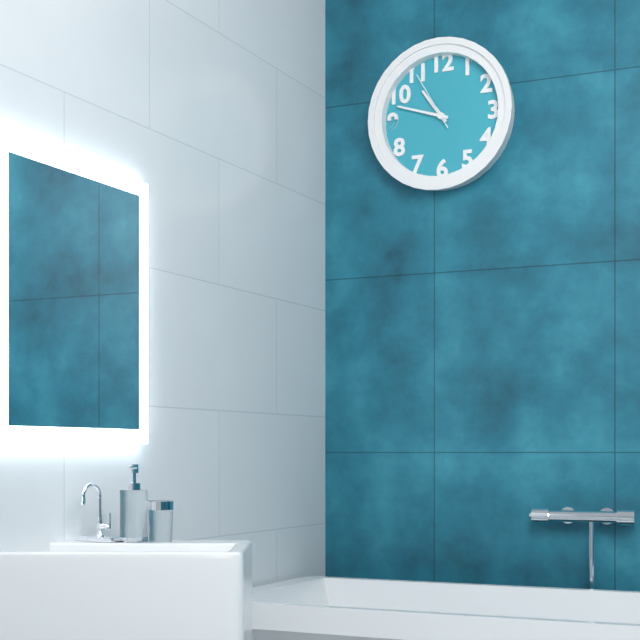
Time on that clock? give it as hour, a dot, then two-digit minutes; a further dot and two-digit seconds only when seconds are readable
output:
10.48.55
